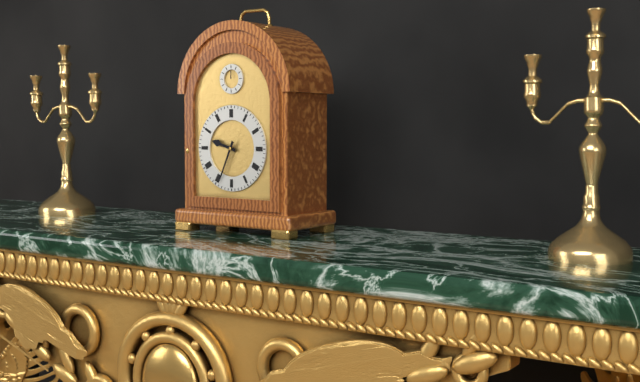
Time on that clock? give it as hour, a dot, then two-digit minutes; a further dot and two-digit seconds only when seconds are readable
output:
9.34
